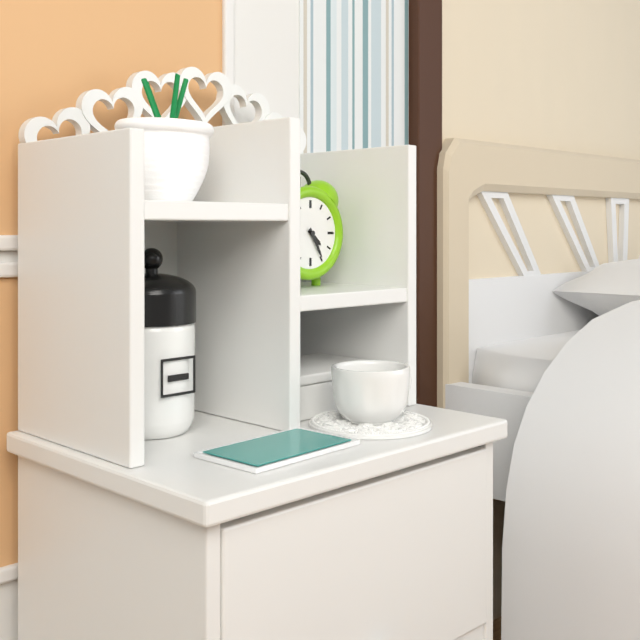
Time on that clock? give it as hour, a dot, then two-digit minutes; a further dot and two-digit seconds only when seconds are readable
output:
4.25
